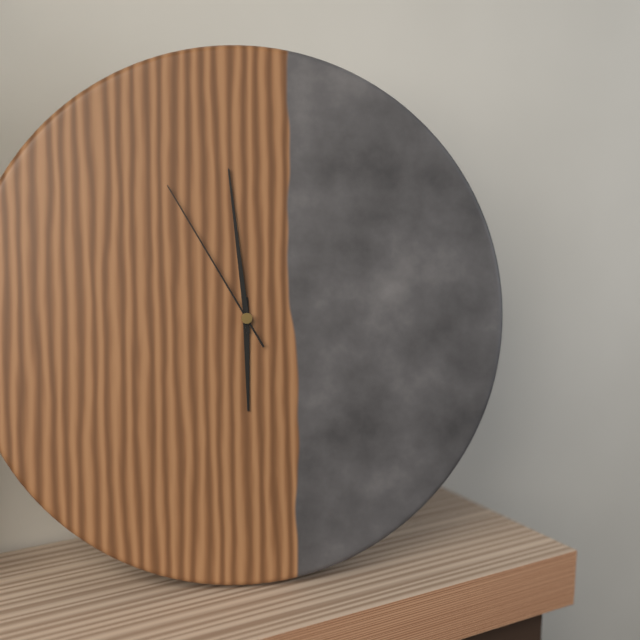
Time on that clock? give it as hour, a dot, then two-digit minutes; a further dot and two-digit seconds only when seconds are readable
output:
5.59.55
